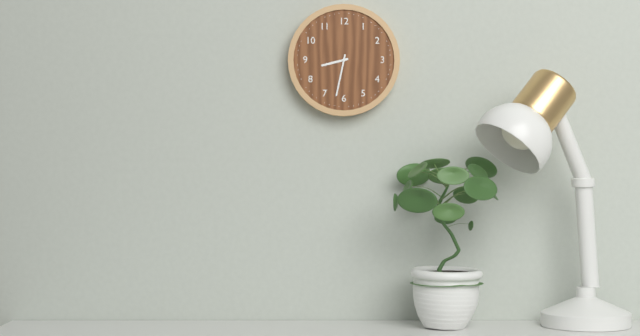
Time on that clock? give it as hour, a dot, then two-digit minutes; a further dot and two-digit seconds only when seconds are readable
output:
8.32
